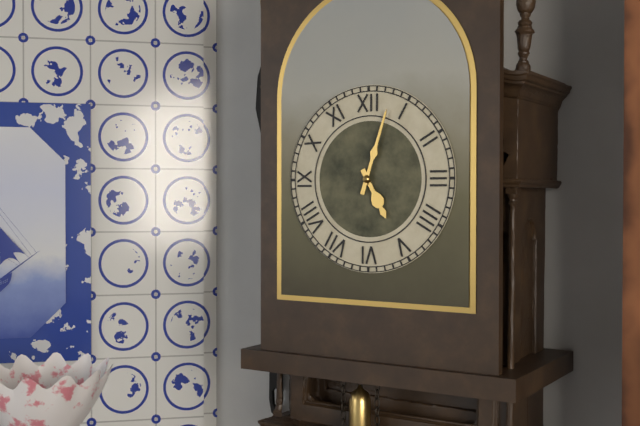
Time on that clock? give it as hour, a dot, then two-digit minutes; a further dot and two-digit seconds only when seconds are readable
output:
5.03
